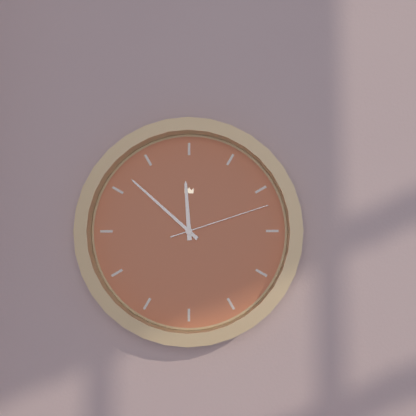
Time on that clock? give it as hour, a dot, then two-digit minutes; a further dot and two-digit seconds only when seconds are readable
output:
11.52.12
